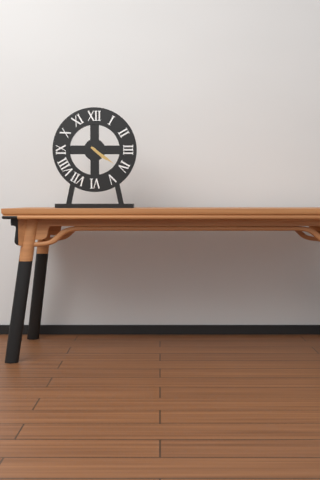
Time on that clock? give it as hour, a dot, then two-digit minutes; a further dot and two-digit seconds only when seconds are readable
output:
4.21
